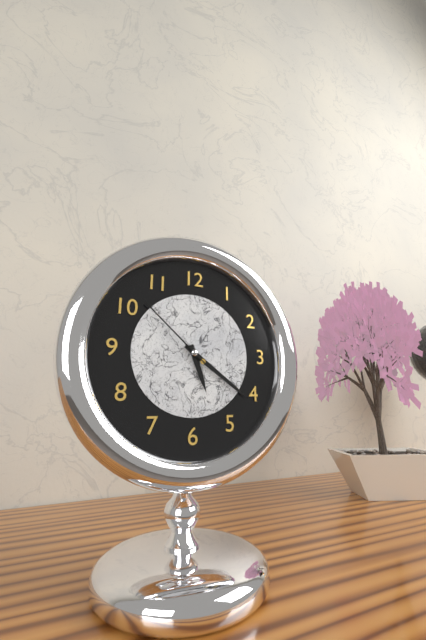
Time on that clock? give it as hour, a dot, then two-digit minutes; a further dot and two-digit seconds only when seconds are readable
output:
5.21.52
